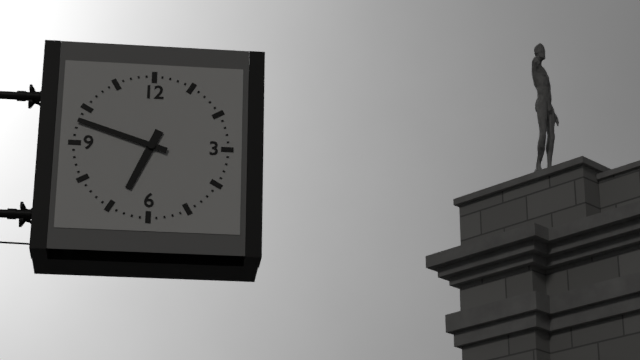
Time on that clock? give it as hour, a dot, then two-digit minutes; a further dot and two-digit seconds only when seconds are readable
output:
6.48
